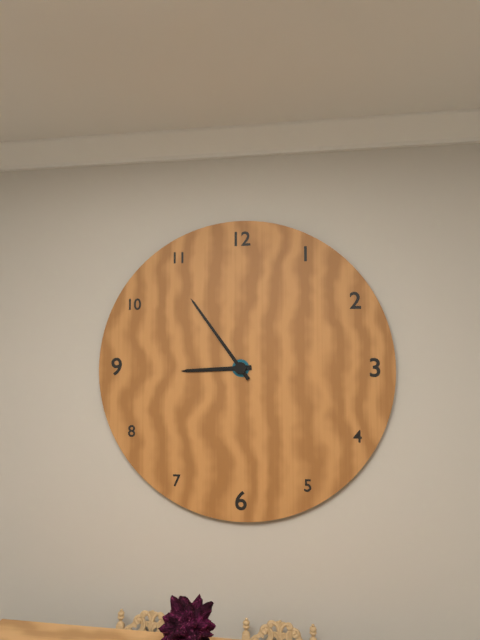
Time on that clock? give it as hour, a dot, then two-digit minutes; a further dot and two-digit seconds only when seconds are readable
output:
8.54
